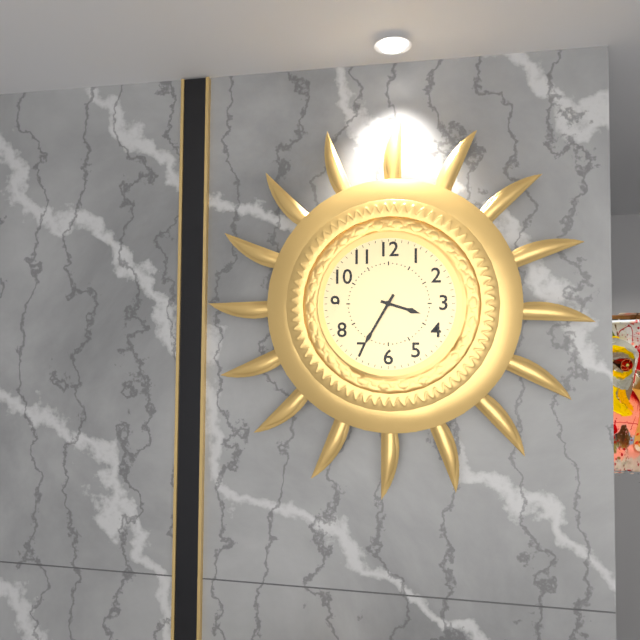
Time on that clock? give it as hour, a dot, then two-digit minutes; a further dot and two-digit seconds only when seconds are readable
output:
3.35
